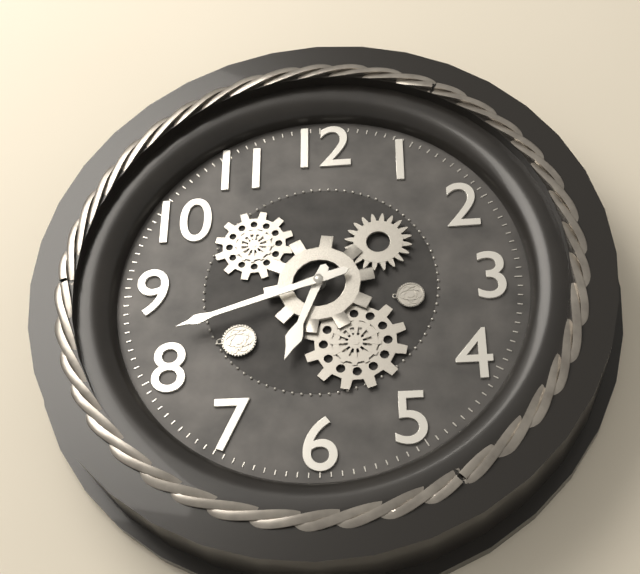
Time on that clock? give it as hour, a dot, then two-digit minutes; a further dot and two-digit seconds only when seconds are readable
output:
6.42
